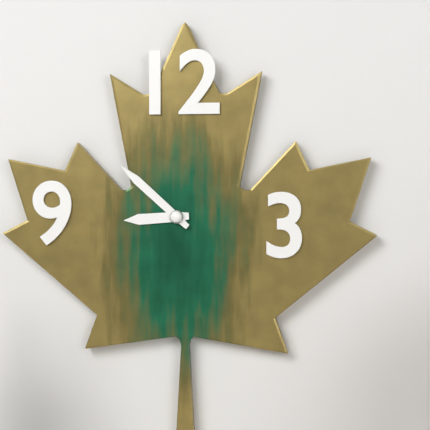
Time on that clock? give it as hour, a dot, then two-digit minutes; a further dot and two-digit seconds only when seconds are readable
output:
8.52
